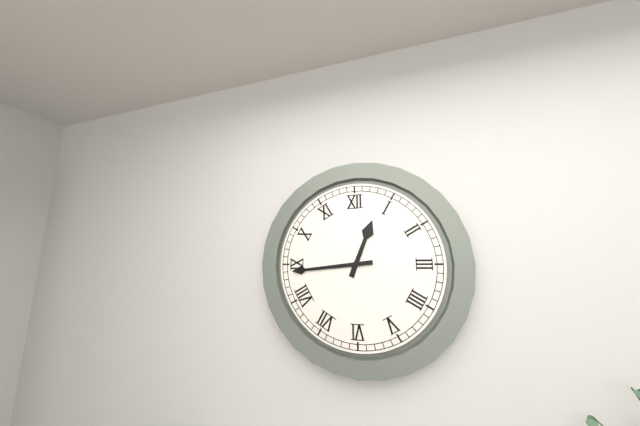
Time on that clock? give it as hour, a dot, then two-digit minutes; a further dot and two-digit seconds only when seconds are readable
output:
12.44
